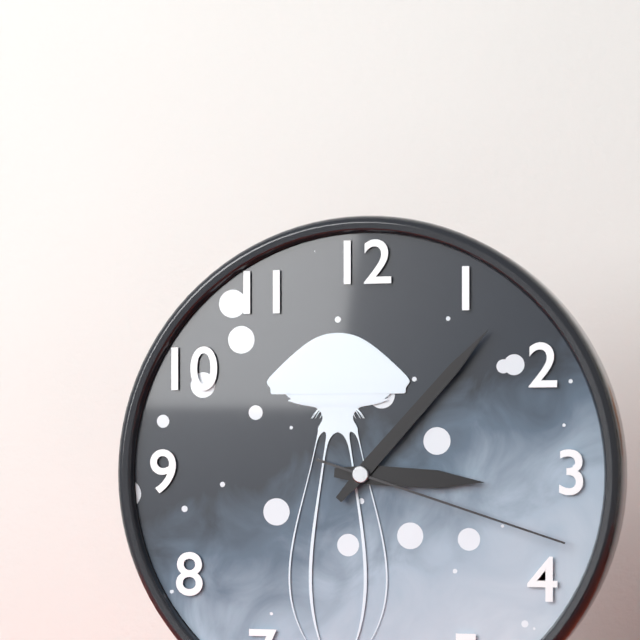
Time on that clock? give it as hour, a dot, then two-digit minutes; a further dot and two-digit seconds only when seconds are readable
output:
3.07.18
